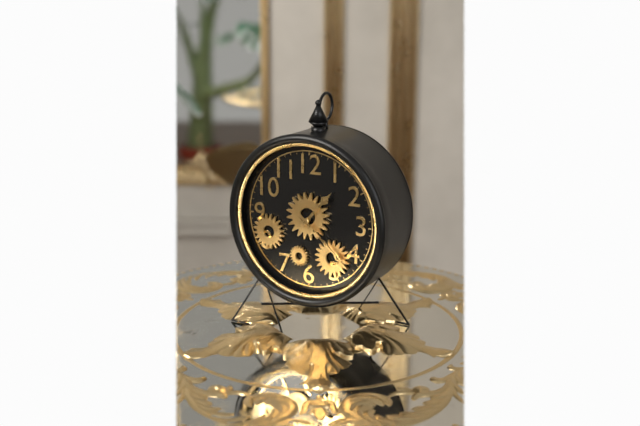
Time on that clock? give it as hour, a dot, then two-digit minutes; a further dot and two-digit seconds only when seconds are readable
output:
1.22
